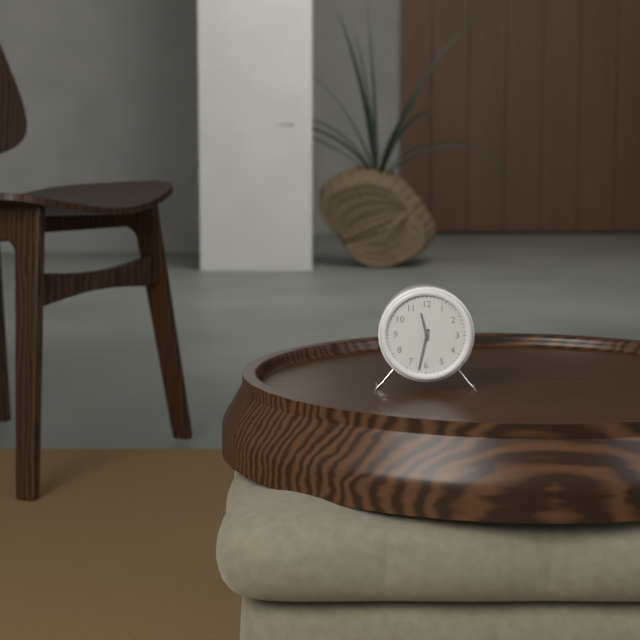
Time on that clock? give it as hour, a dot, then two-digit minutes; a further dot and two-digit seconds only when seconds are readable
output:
11.32
